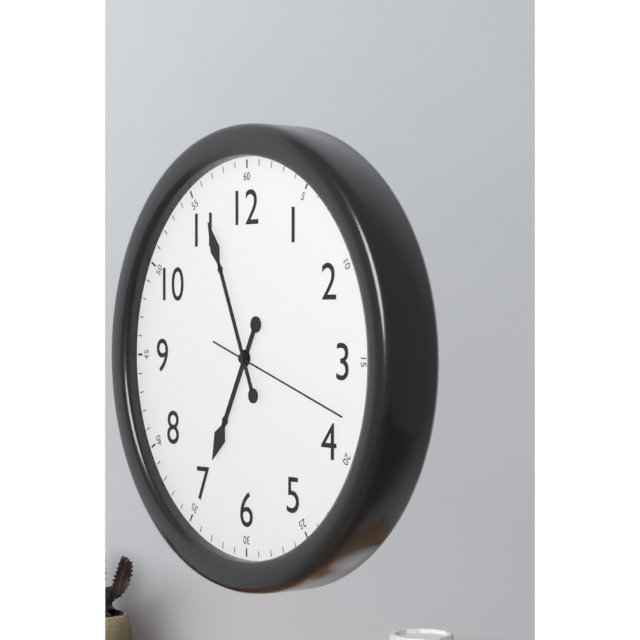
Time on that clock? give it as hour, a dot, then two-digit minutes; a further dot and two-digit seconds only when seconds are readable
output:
6.56.18
